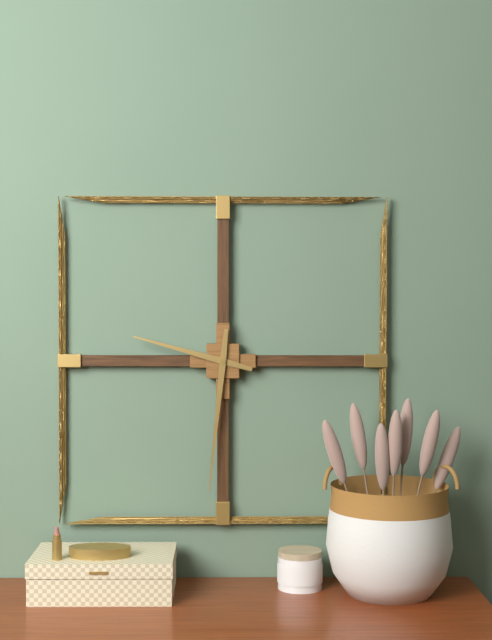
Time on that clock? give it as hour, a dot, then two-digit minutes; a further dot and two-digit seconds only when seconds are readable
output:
9.31
